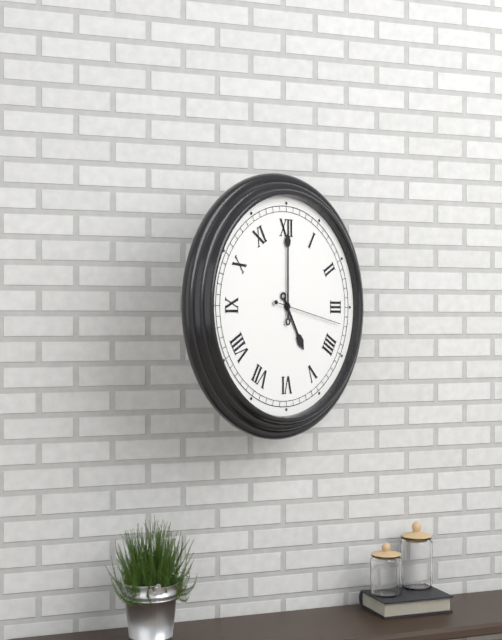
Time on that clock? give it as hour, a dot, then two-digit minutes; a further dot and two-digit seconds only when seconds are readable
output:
5.00.17
